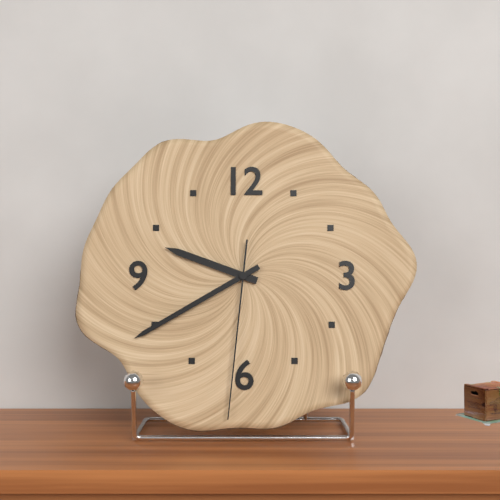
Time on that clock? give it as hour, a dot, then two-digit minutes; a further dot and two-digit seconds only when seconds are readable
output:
9.40.31
